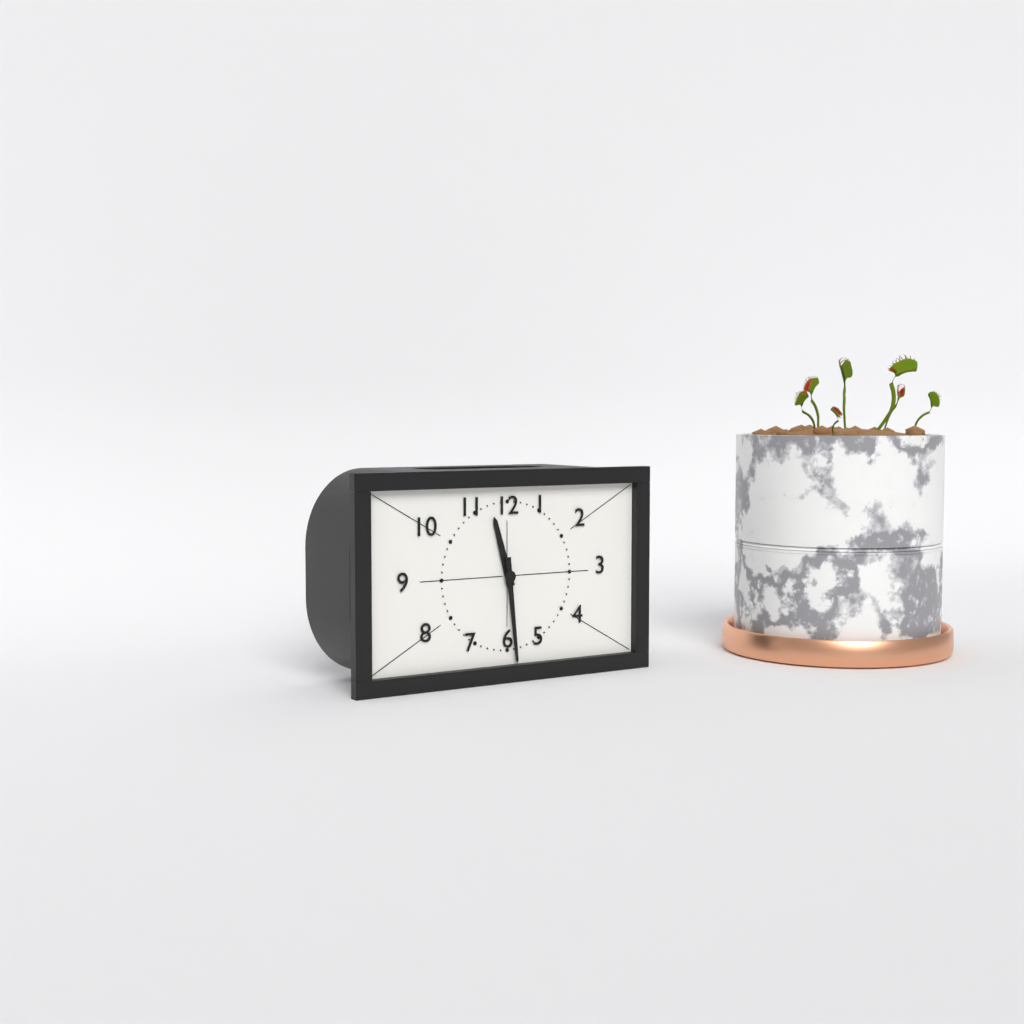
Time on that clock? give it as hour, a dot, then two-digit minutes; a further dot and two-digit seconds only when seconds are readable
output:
11.29
